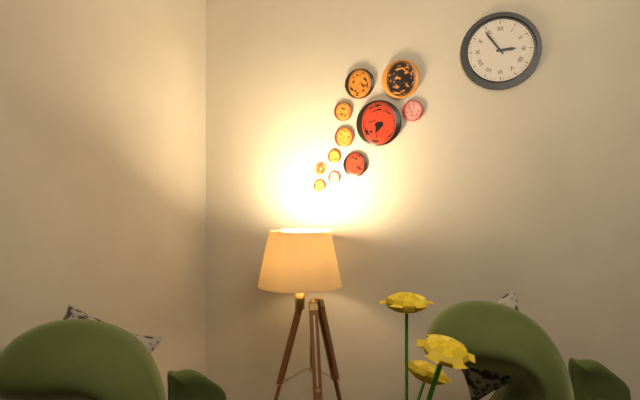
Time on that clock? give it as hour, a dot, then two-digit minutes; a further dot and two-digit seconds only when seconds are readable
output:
2.54
